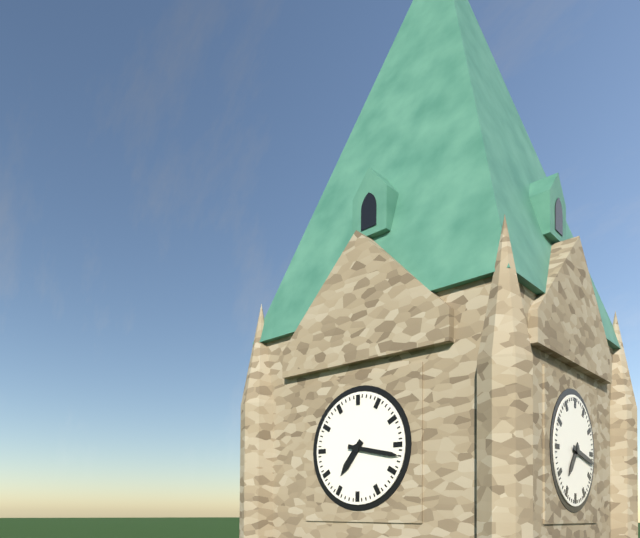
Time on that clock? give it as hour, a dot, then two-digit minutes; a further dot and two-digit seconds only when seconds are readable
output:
7.17
